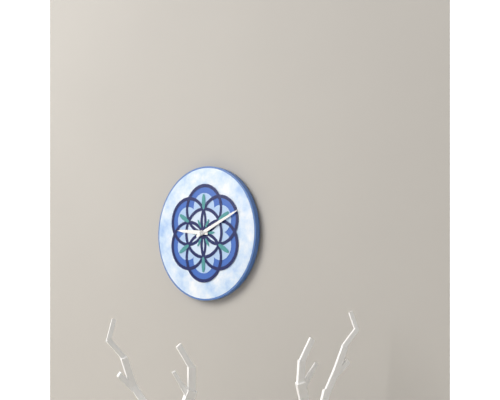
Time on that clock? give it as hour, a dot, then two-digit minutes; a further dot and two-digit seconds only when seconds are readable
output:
9.11
